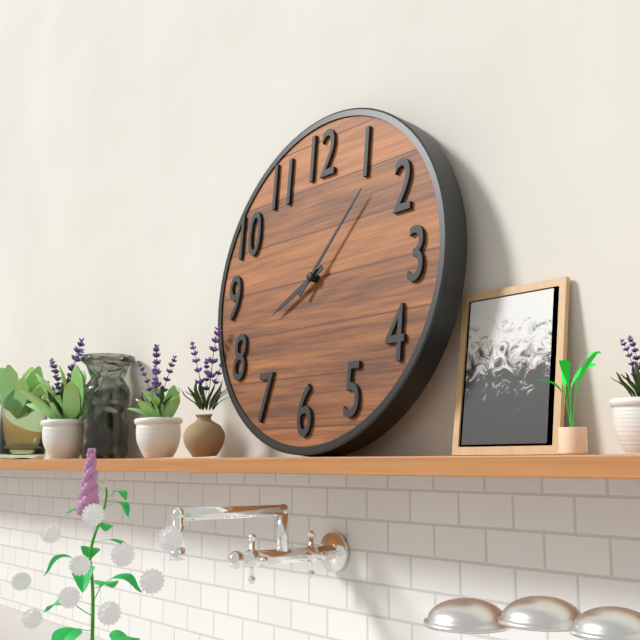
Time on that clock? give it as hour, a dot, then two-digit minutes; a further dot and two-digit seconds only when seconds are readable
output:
8.07
